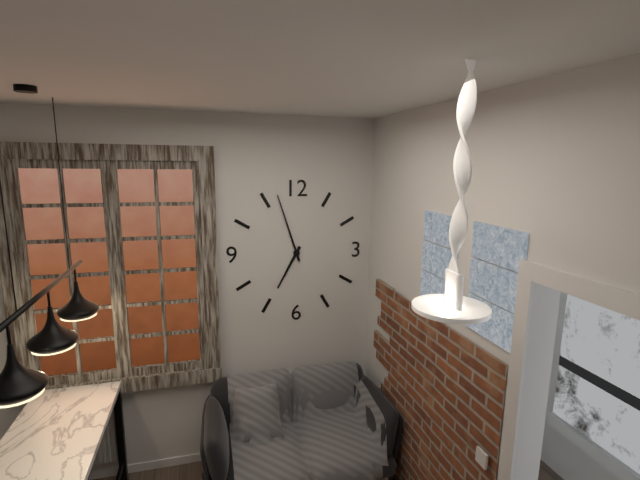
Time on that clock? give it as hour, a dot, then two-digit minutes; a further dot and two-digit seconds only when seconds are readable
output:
6.57
